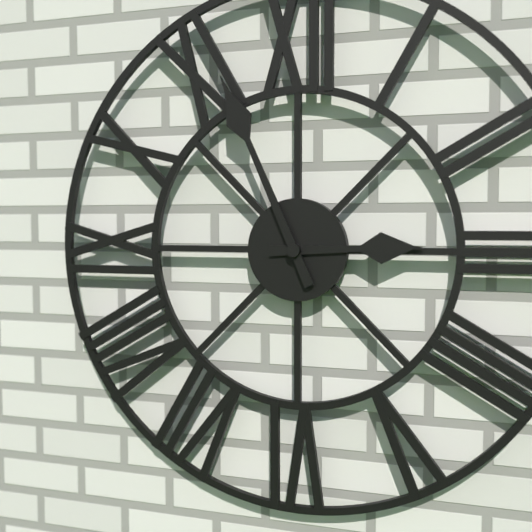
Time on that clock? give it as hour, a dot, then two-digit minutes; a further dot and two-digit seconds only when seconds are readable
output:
2.56
